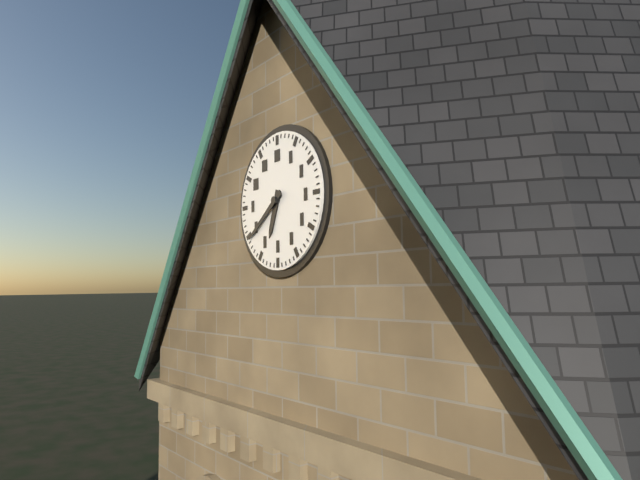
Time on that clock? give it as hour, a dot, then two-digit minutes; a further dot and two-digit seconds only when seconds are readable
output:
6.39
